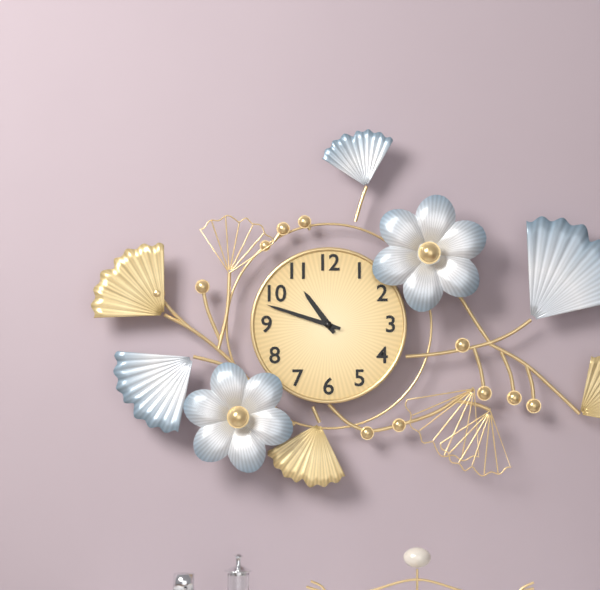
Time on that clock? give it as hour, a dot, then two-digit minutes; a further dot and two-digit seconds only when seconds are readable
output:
10.48
